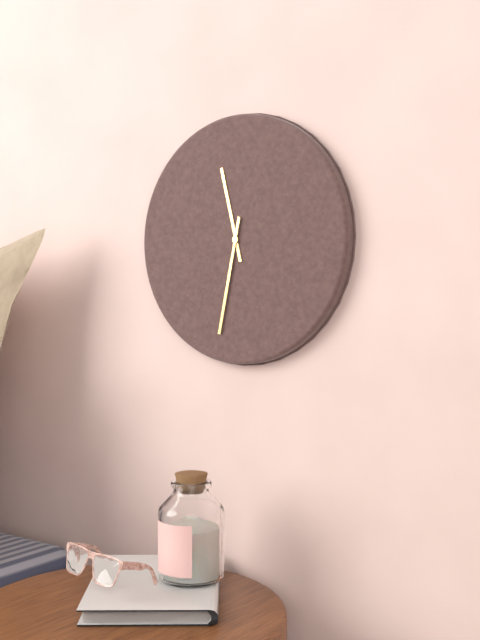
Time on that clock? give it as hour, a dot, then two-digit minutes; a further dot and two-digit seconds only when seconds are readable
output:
11.32
